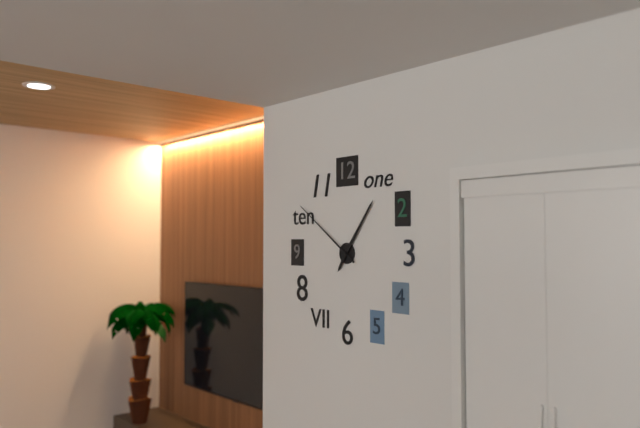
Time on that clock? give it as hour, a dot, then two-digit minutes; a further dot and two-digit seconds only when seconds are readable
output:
7.06.51
